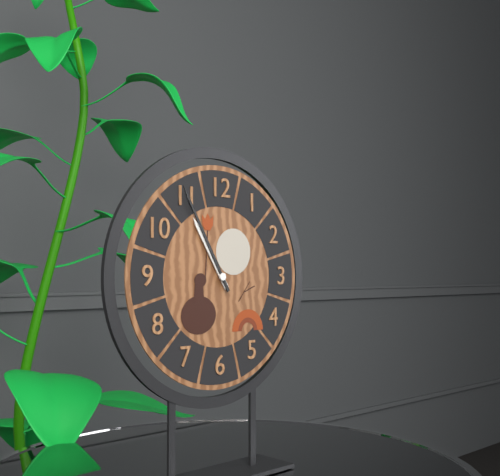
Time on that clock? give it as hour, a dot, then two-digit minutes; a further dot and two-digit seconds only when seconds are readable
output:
10.55
